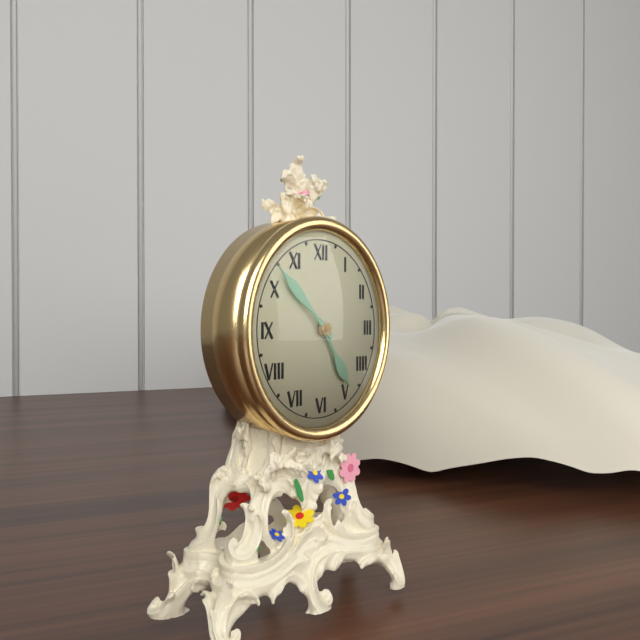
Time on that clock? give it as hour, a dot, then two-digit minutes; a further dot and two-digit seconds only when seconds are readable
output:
4.52
